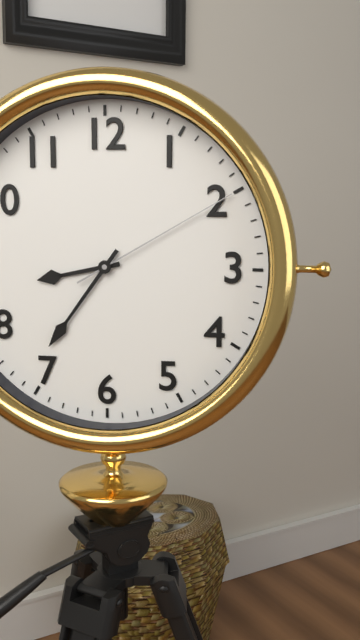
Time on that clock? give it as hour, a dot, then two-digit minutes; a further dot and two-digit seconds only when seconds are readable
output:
8.36.10
